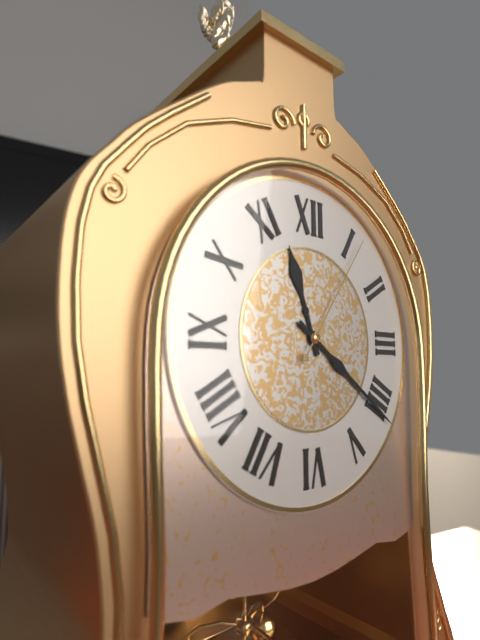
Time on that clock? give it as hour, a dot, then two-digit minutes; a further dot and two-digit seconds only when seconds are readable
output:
11.21.06
